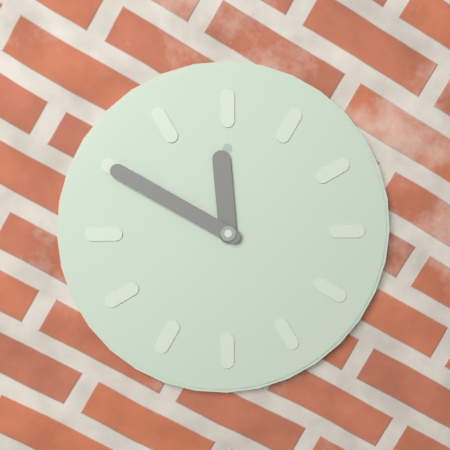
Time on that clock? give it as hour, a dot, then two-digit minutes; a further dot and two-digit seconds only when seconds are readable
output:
11.50
